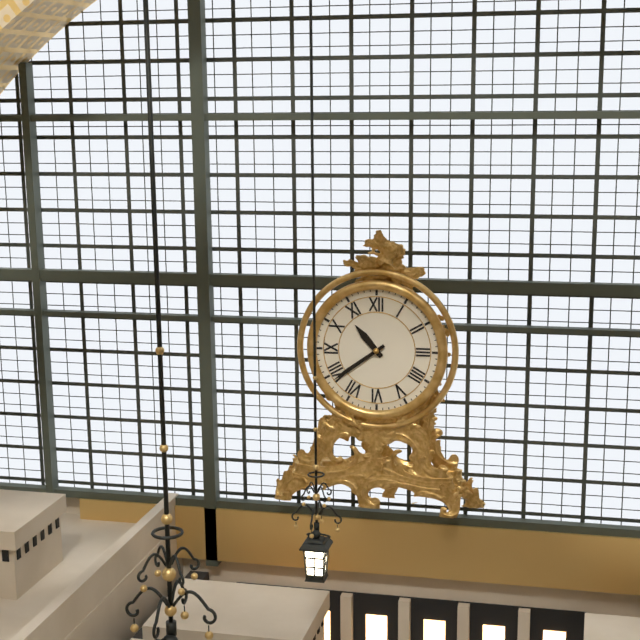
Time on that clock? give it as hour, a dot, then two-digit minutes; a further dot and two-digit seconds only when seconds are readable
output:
10.39
